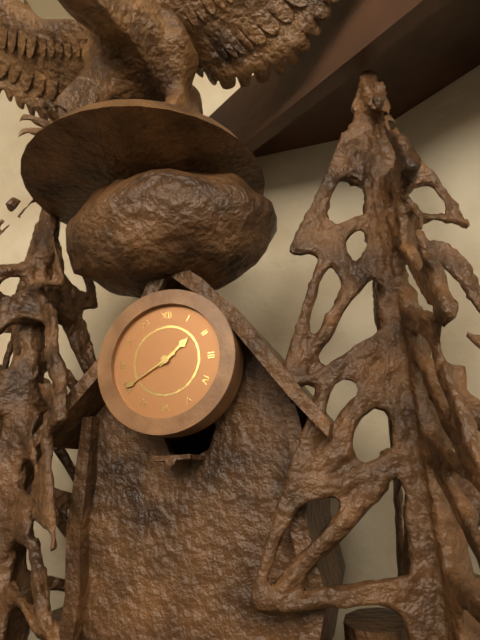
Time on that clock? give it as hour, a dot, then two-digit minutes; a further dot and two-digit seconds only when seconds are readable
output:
1.40
